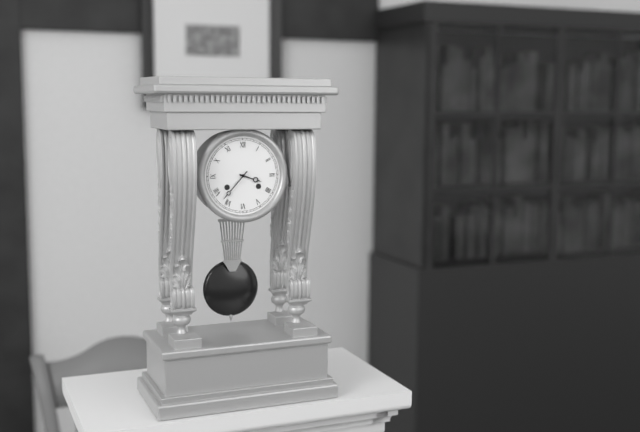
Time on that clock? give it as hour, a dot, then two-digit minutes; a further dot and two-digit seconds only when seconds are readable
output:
3.37
